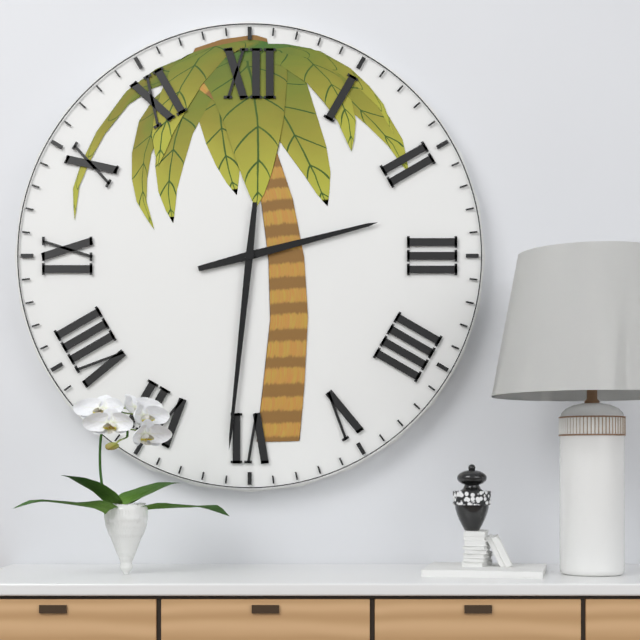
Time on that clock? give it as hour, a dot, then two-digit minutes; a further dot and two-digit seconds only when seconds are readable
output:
2.31
